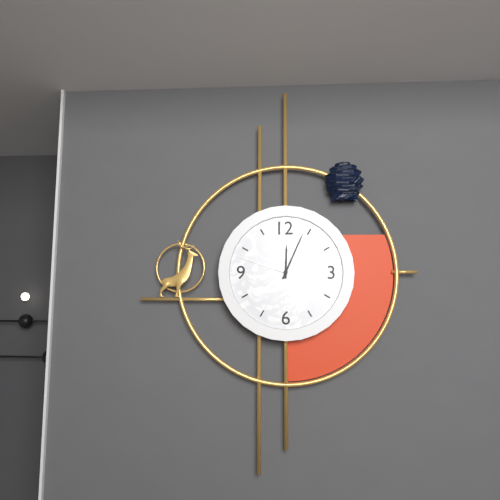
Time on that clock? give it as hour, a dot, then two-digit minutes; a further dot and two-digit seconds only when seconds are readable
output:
12.04.48
